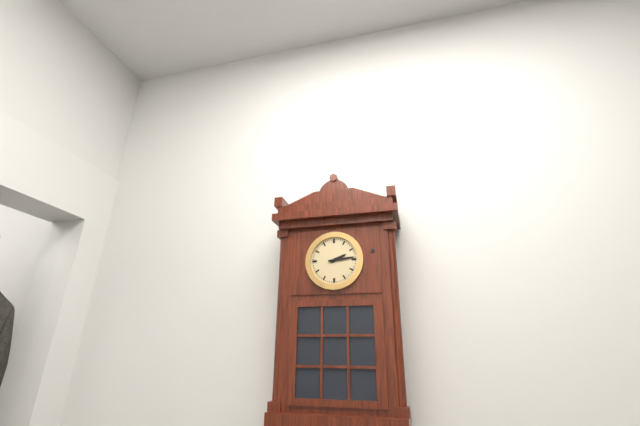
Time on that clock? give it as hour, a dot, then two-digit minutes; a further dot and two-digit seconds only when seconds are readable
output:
2.14
